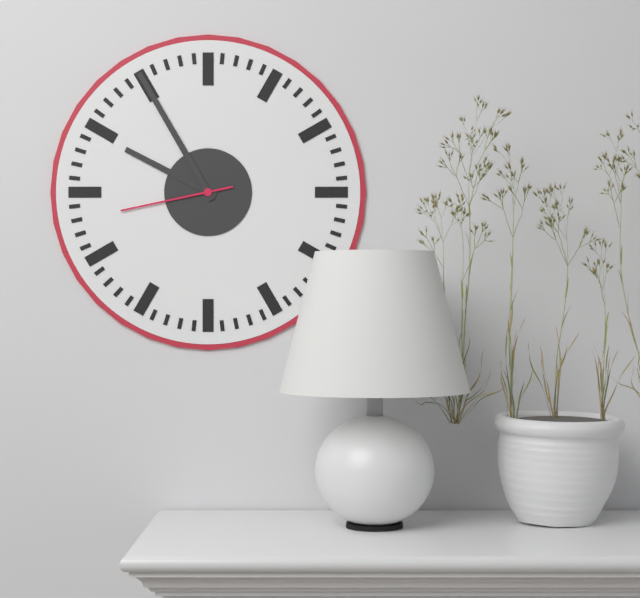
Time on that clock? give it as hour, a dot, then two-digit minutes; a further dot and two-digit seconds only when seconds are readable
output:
9.55.43
